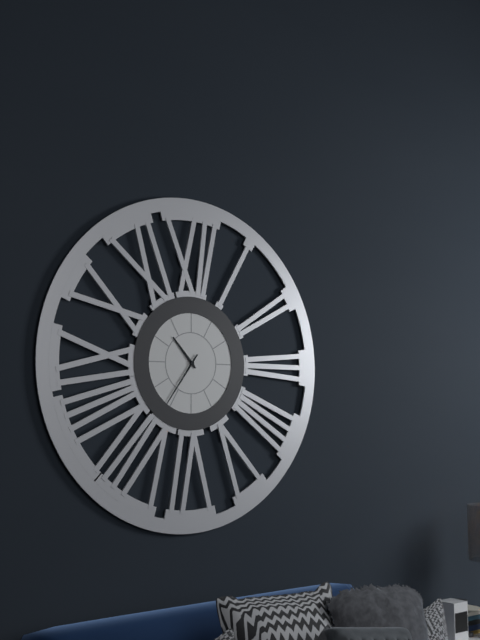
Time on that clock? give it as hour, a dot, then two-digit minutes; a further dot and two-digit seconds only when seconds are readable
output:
10.36
